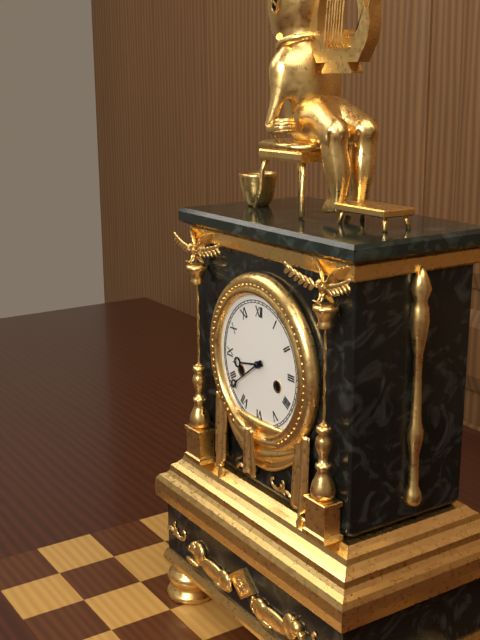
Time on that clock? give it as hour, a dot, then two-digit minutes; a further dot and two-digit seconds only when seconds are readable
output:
8.39
